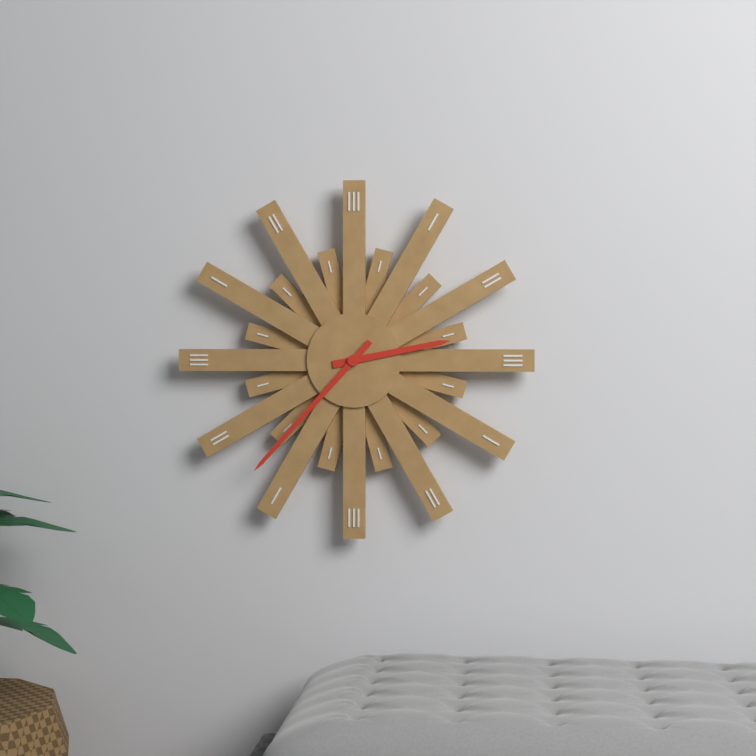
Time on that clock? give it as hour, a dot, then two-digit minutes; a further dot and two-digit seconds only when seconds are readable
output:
2.37
